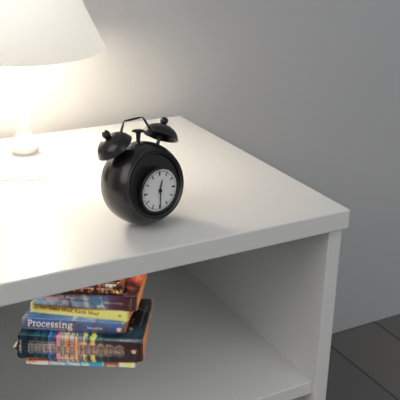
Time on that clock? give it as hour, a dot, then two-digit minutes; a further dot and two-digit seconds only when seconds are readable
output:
12.30
